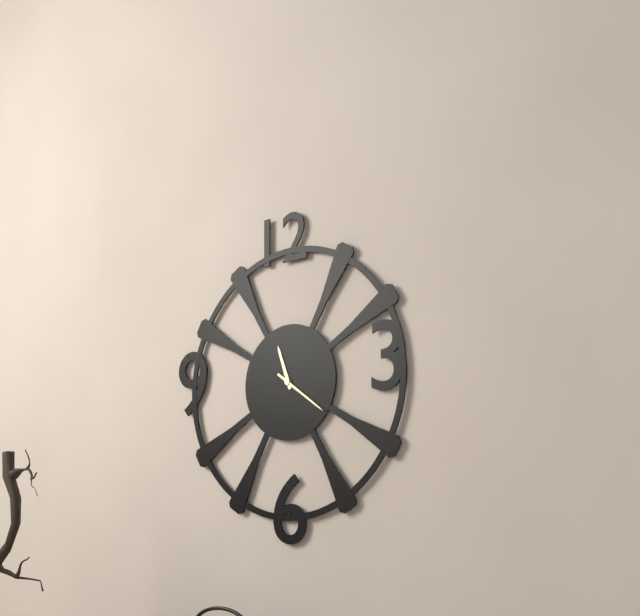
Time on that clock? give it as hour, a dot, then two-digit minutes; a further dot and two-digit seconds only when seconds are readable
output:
11.21
